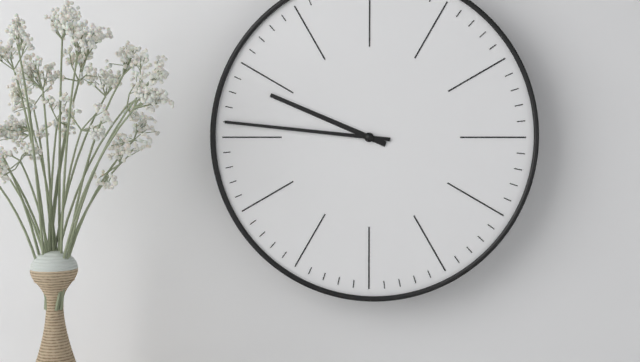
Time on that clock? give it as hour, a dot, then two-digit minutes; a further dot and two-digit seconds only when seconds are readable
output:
9.46
